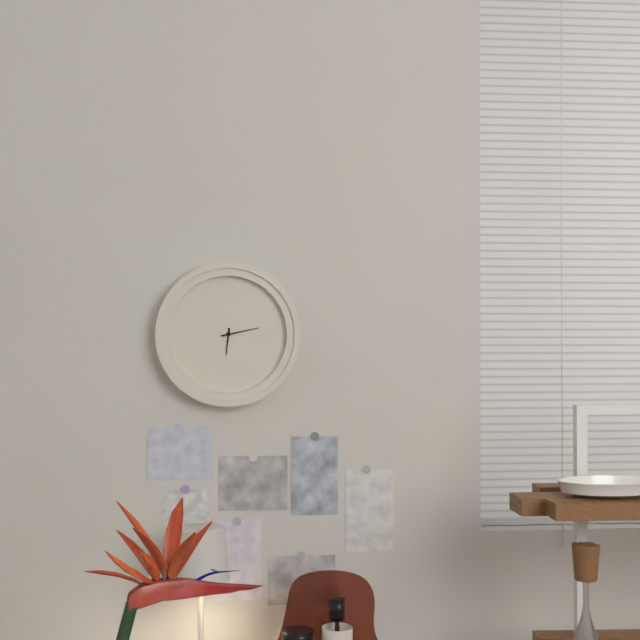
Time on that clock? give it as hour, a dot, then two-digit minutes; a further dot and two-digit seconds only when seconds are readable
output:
6.13
